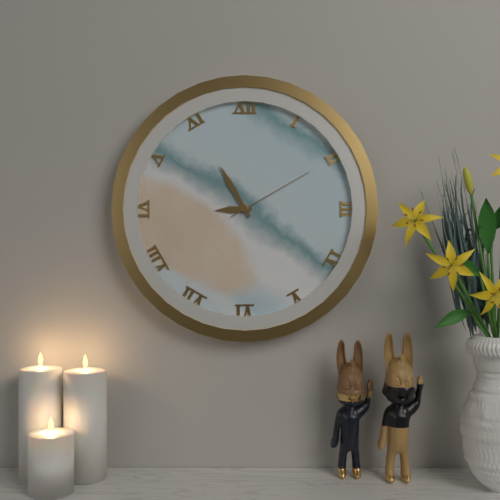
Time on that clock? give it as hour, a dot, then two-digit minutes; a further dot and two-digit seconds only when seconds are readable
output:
8.55.10
